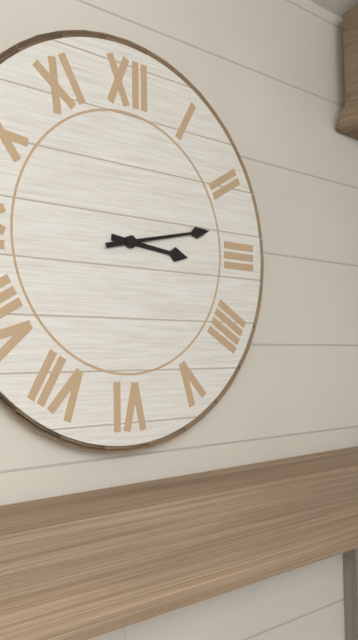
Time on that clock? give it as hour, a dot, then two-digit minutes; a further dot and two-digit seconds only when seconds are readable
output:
3.13
